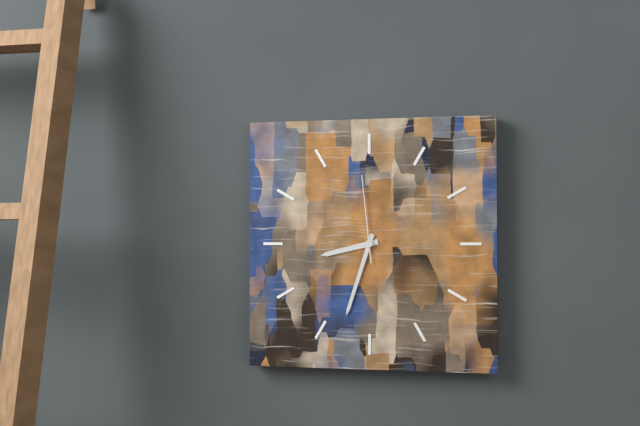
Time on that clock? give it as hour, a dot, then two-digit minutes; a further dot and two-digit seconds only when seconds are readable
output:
8.33.59
